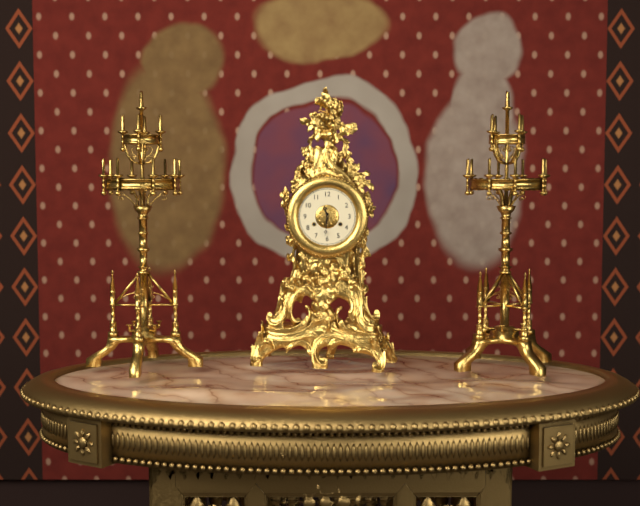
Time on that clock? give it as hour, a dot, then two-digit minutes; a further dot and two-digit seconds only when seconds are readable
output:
11.31
